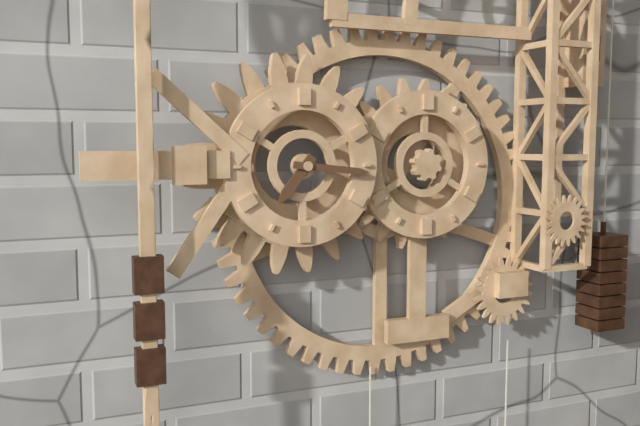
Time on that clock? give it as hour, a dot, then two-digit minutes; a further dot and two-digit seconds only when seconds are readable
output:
7.16
